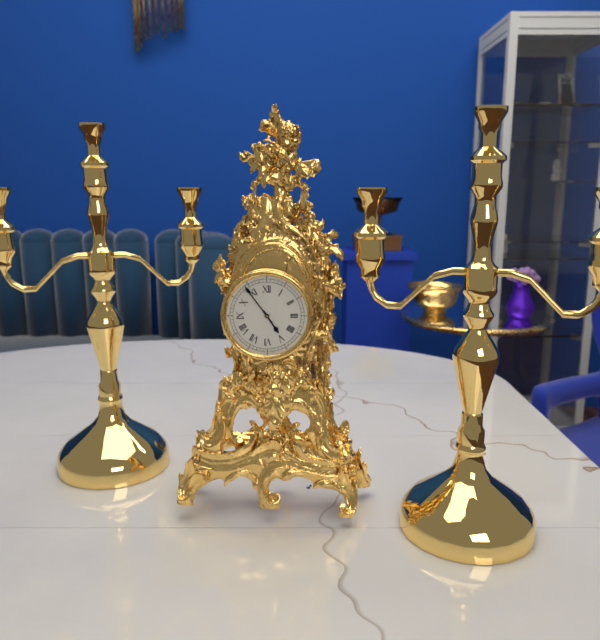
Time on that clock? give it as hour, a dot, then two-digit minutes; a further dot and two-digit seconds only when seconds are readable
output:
4.54
